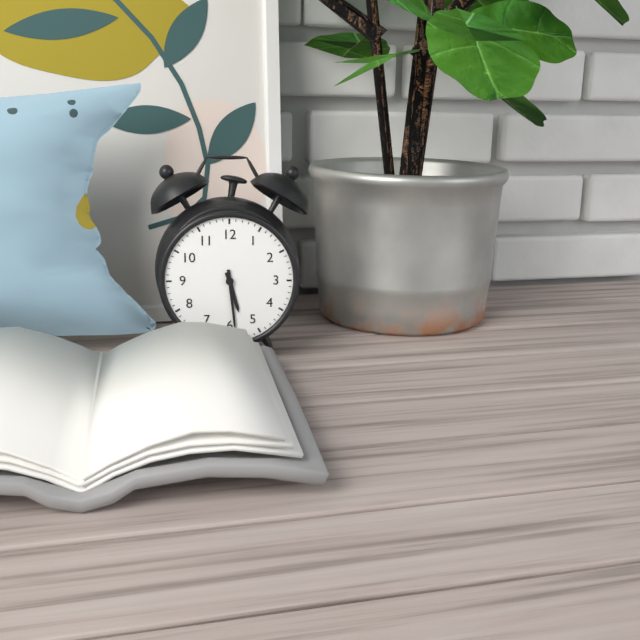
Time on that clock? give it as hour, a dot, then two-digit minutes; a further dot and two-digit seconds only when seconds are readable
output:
5.29
